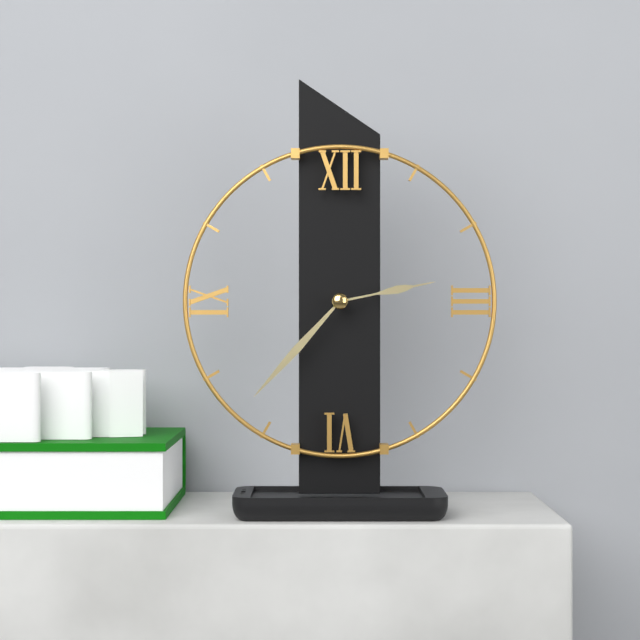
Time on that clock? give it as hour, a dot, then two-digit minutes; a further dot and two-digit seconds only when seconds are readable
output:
2.37
